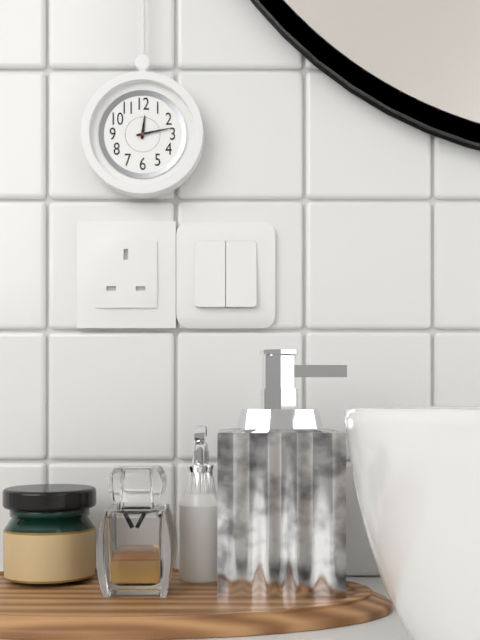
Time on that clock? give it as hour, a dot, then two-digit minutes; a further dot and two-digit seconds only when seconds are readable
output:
12.13
